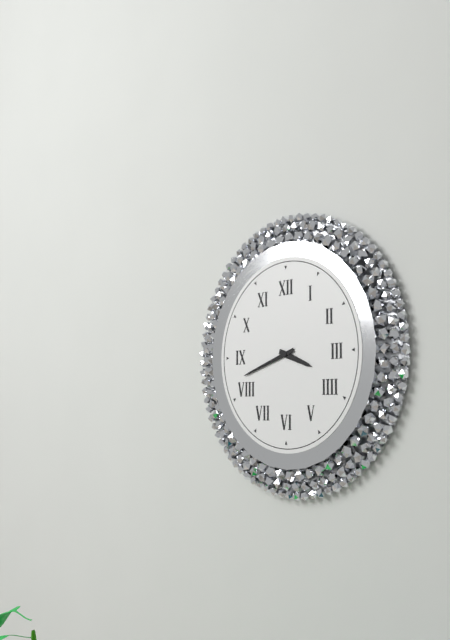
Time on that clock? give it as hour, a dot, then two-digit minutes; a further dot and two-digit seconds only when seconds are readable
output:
3.42
